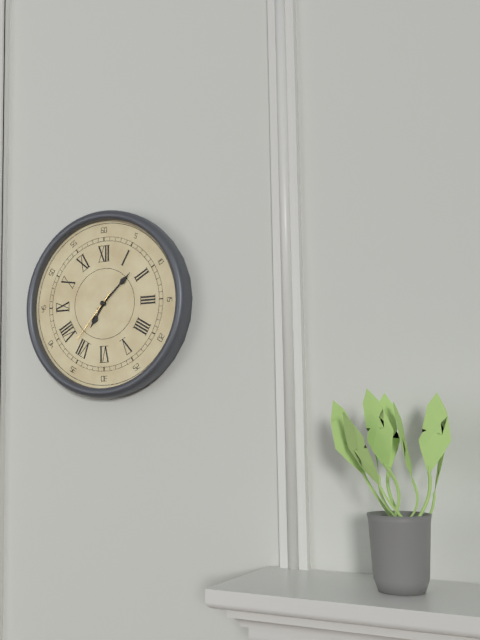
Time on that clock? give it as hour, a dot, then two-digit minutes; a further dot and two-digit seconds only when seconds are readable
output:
7.08.37
